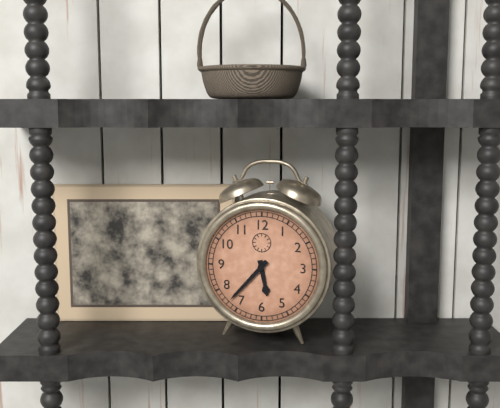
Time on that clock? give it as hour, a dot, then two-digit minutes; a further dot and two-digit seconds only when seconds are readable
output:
5.37
